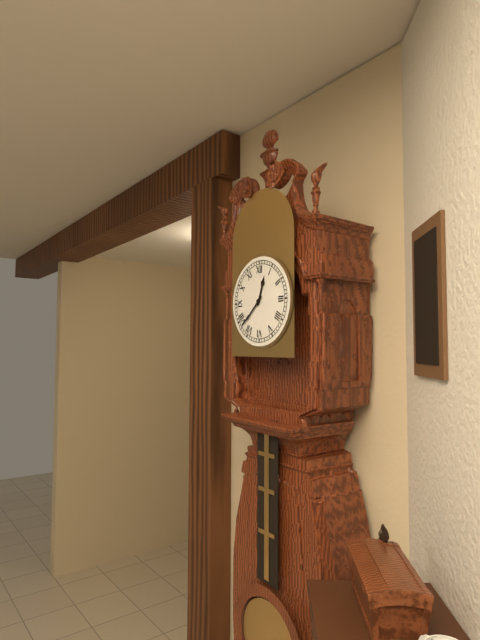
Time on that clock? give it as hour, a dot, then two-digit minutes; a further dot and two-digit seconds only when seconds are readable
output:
12.38
